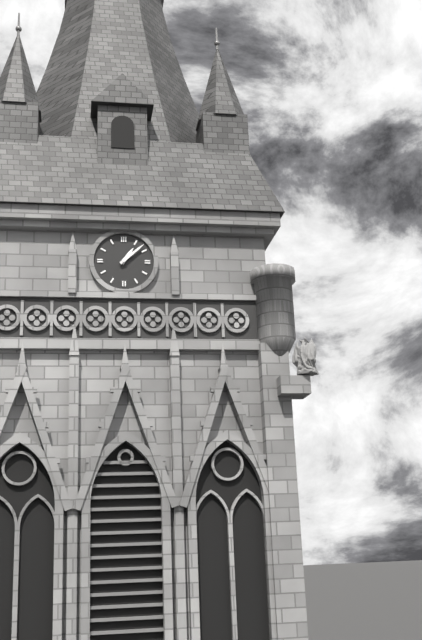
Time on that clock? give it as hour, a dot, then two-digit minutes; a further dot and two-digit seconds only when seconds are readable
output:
1.08
